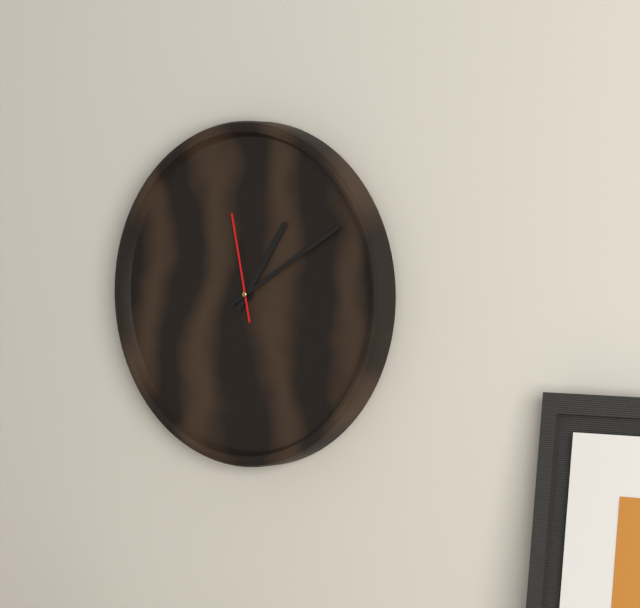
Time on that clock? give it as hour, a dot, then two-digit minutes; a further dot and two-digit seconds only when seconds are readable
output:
1.10.58
